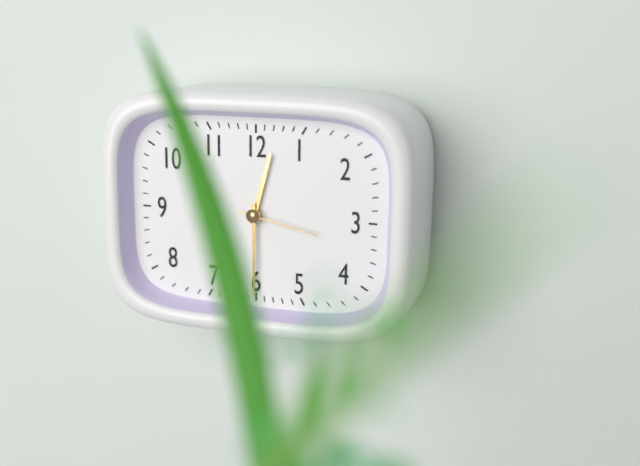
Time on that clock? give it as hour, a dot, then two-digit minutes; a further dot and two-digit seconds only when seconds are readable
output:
12.30.17
